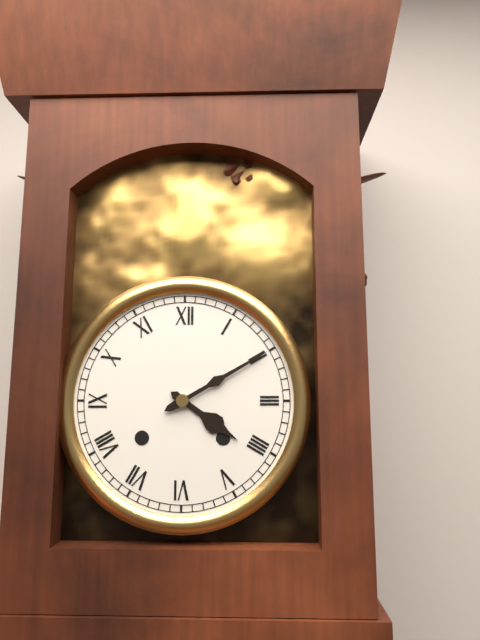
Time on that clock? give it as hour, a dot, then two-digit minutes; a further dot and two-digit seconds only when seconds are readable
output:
4.10
